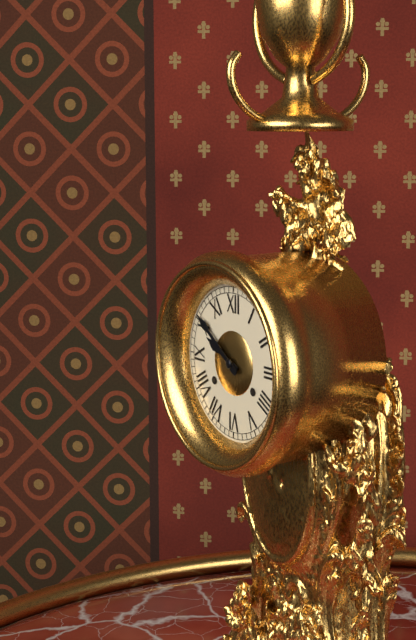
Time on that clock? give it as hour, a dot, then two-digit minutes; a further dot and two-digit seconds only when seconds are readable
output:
9.51
